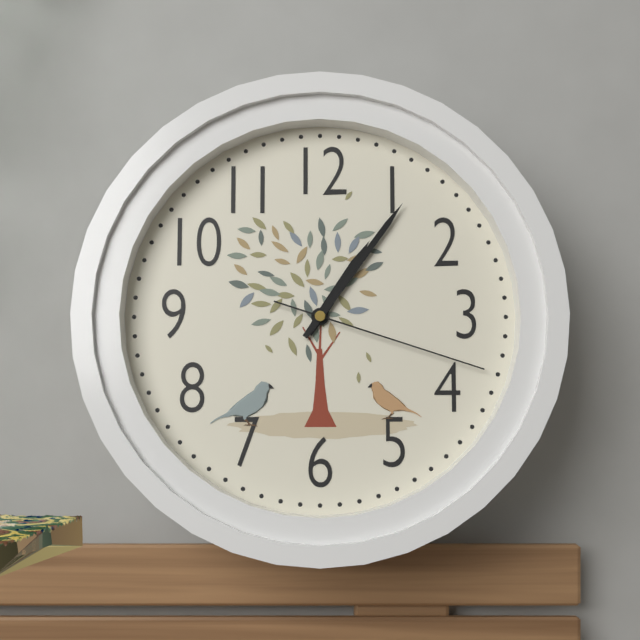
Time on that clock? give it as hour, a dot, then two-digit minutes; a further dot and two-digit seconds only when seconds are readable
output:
1.06.18
